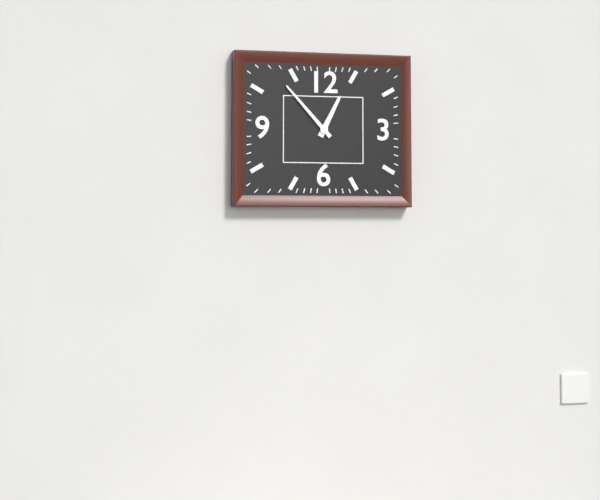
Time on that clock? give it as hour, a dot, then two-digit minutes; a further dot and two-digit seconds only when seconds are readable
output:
12.53
